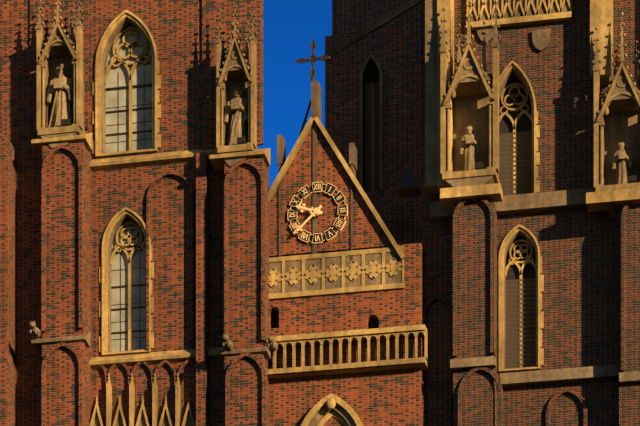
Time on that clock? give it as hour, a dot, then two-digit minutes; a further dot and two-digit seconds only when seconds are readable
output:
9.38
